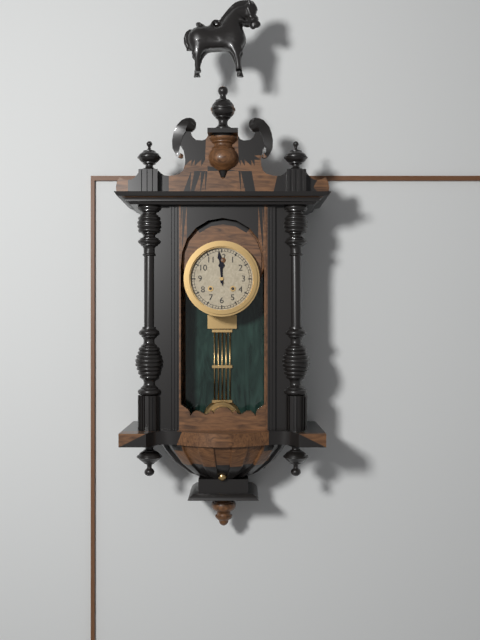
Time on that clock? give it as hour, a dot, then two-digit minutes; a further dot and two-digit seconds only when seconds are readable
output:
11.59
